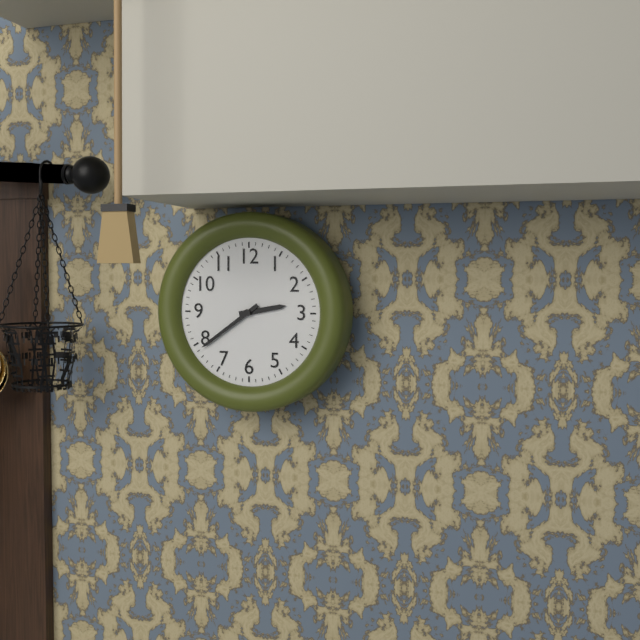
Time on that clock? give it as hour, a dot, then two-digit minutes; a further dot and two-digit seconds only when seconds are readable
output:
2.39
